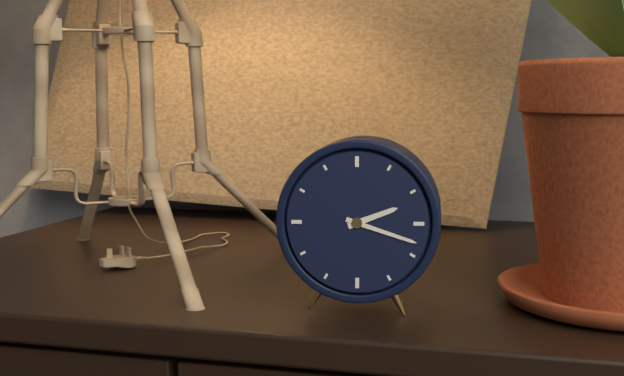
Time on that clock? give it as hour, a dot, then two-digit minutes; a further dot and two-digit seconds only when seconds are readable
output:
2.18
